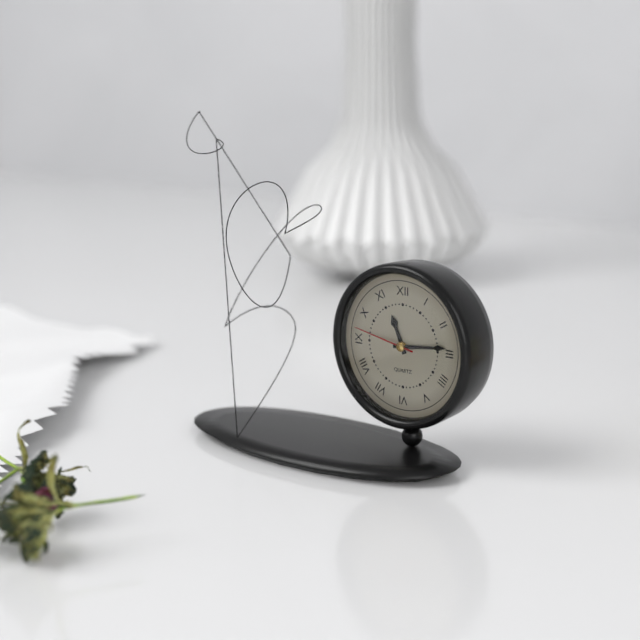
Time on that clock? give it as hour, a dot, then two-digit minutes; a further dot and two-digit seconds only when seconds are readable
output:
11.14.47
